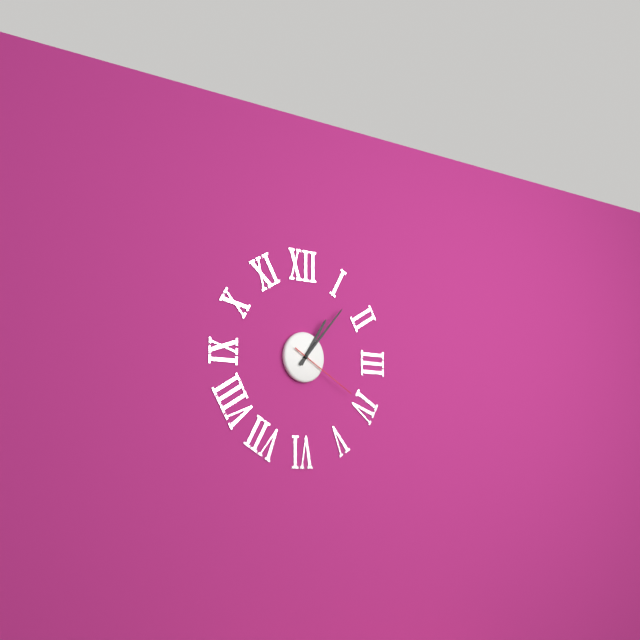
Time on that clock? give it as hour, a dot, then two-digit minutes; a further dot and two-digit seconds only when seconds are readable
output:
1.07.20
